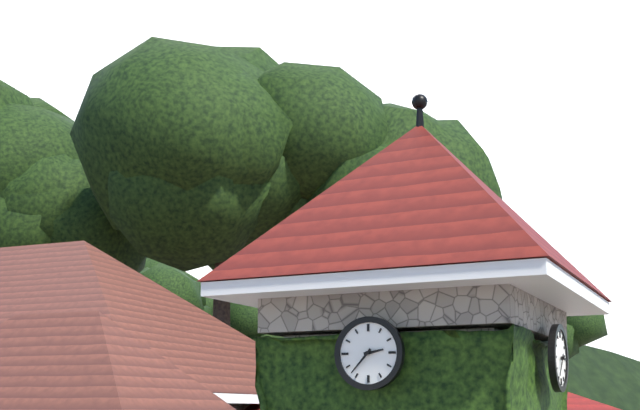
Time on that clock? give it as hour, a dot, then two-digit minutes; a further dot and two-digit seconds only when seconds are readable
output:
2.37
